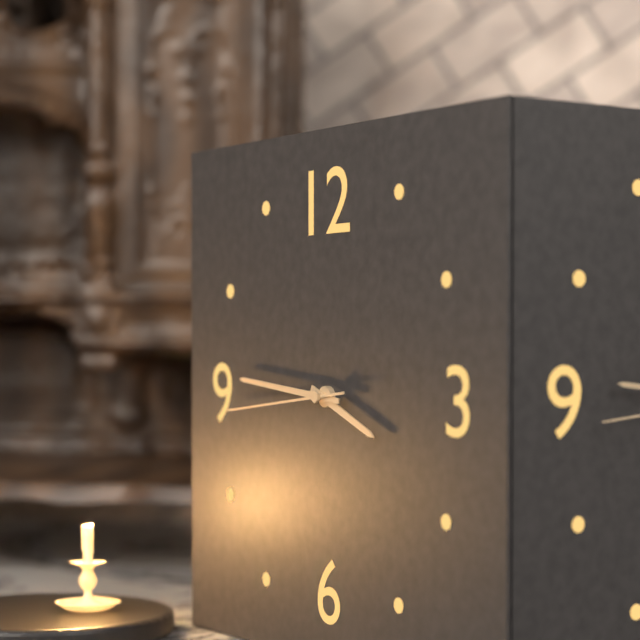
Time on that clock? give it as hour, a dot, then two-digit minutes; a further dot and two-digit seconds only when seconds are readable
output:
3.46.44
